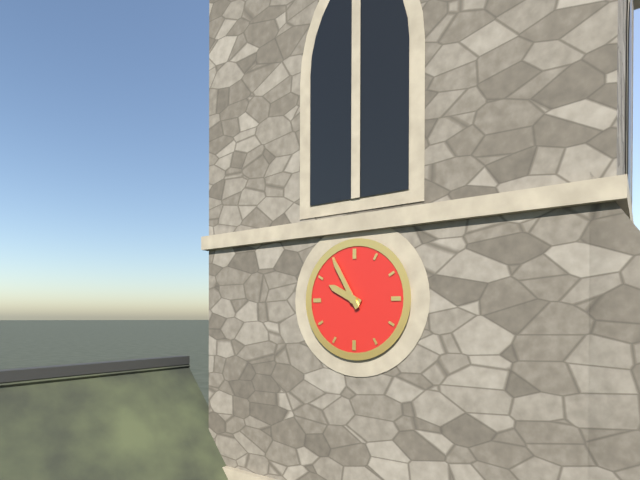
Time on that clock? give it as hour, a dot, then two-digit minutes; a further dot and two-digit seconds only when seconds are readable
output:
9.55
